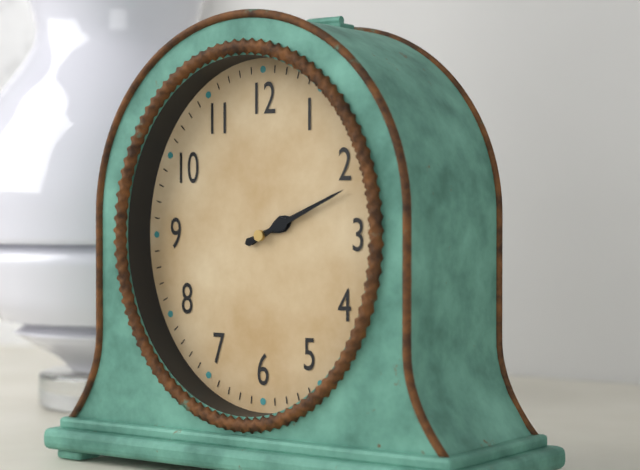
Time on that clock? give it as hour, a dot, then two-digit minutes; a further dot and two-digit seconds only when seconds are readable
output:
2.11
